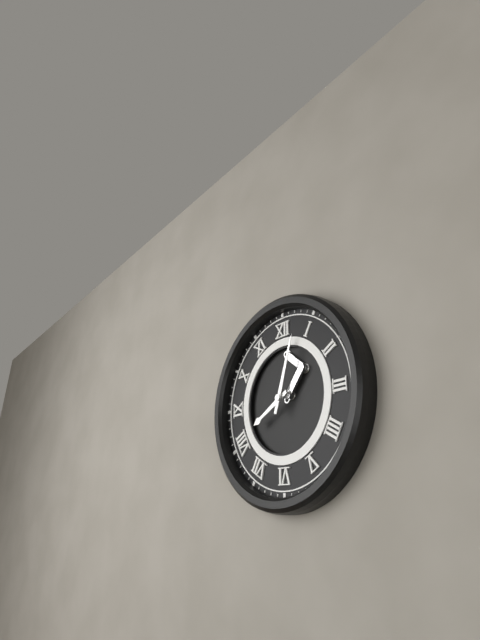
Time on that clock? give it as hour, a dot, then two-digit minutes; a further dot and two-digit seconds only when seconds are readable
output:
8.03
